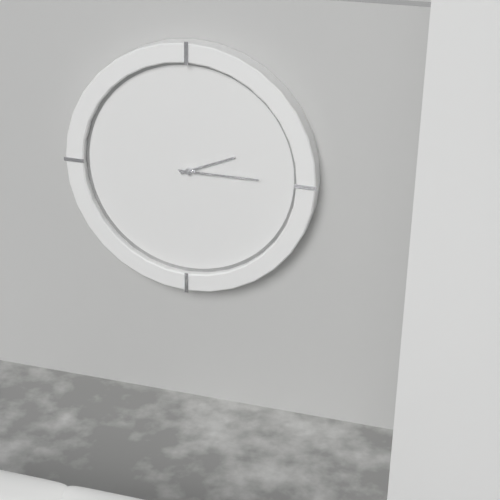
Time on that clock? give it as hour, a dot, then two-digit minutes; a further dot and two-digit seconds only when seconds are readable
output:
2.15
